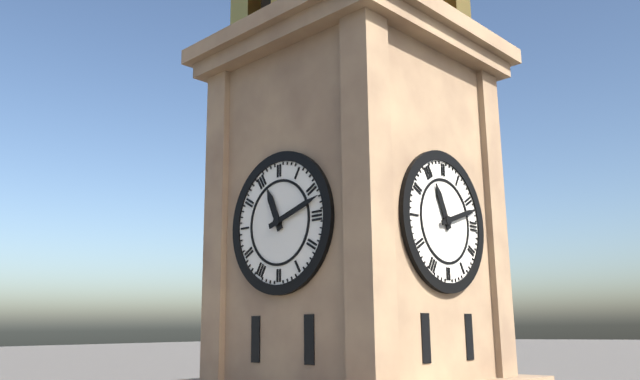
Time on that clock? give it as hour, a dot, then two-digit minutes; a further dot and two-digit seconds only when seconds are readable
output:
11.12
